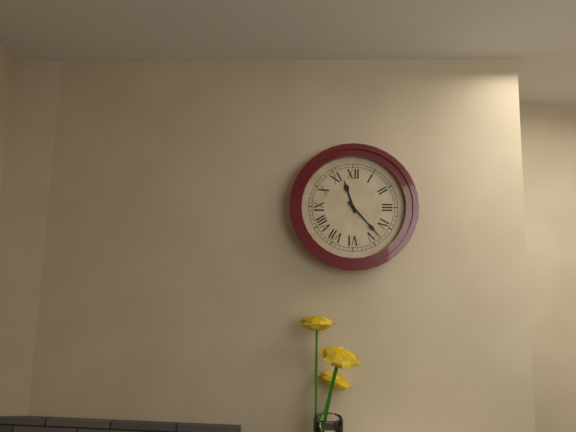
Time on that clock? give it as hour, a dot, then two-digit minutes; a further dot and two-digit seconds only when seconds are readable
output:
11.23
